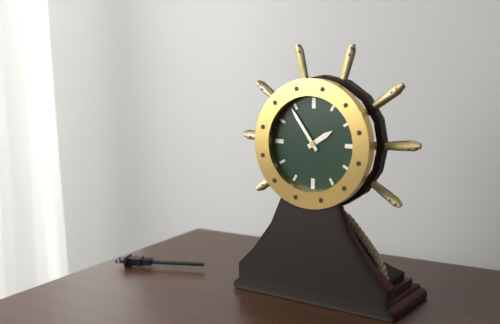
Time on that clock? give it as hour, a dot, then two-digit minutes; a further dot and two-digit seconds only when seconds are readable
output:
1.54
